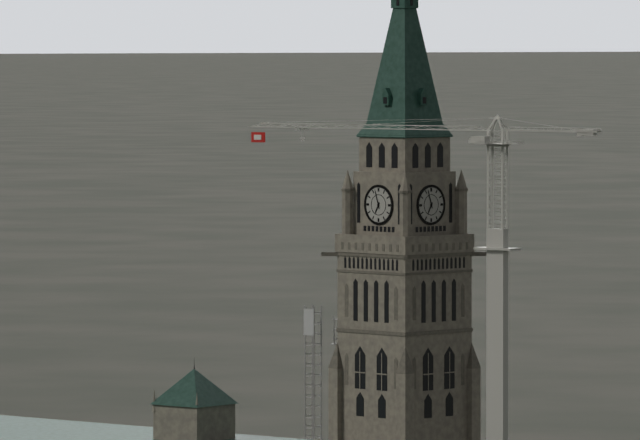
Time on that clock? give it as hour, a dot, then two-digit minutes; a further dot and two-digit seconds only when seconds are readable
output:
6.57
